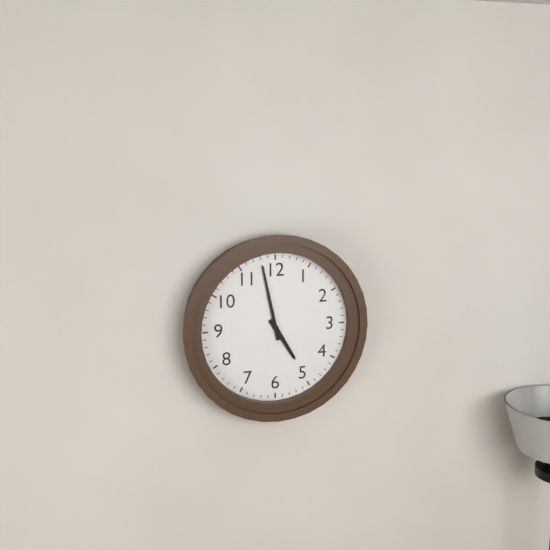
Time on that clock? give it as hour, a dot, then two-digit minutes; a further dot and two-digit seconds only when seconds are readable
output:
4.58
